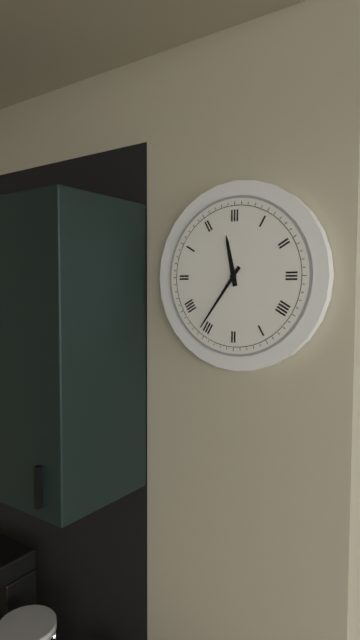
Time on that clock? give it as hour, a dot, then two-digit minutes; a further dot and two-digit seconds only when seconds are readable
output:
11.36
